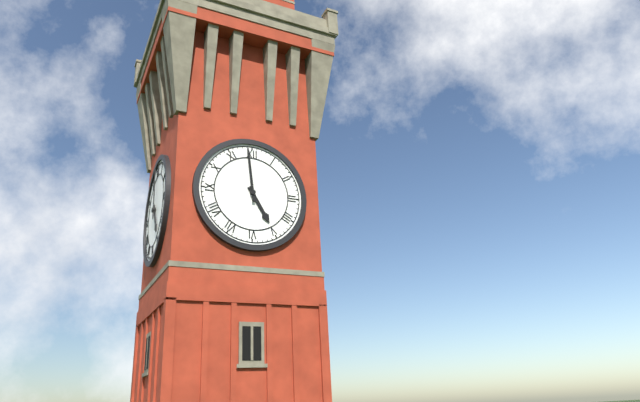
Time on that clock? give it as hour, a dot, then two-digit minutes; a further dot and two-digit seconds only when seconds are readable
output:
4.59
